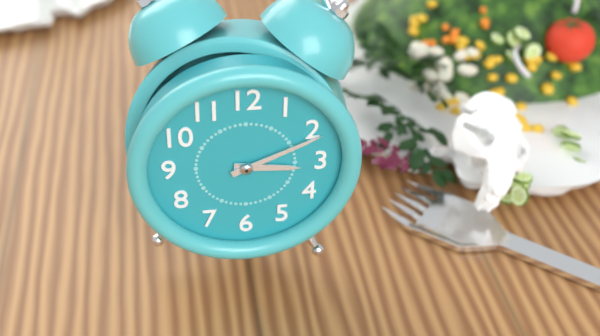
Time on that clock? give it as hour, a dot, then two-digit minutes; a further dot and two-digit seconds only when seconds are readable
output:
3.11
